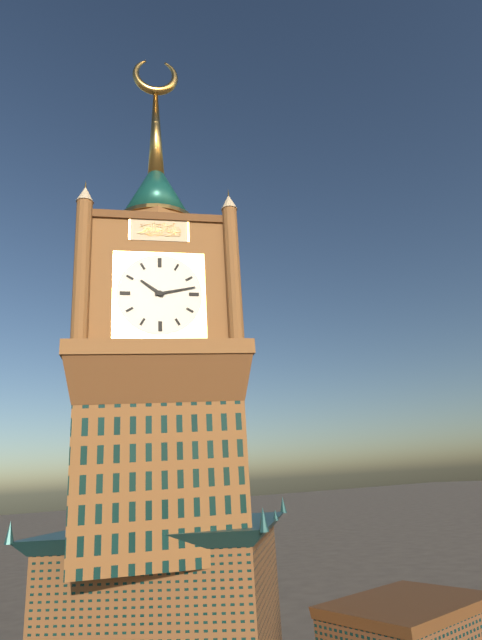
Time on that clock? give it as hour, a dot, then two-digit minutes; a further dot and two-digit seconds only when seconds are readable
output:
10.13
